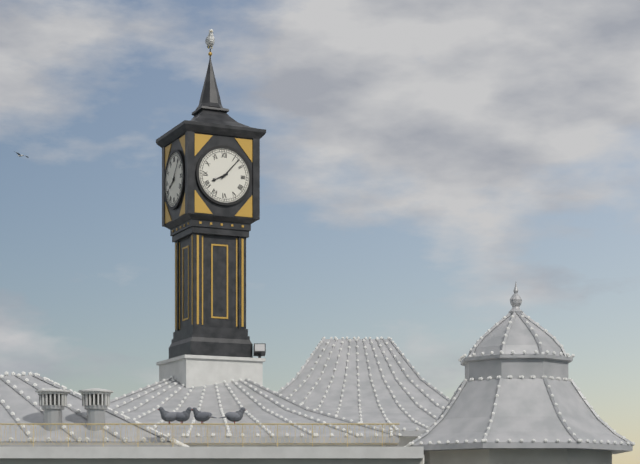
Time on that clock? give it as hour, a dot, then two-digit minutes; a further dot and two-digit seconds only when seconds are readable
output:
8.07
